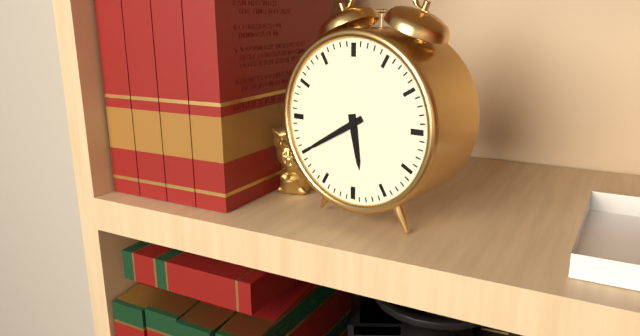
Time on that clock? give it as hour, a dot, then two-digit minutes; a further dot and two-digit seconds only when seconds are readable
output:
5.40
